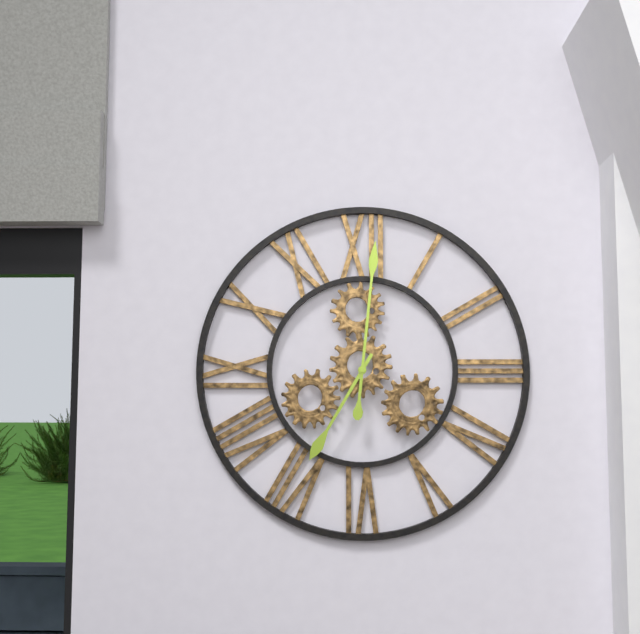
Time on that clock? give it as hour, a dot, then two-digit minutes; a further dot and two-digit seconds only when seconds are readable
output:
7.01
